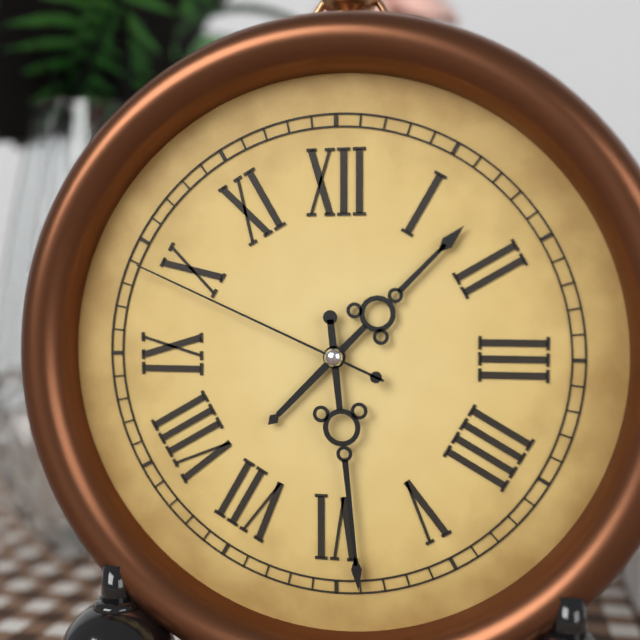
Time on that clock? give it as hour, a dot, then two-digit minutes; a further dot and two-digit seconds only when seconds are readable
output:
1.29.49
